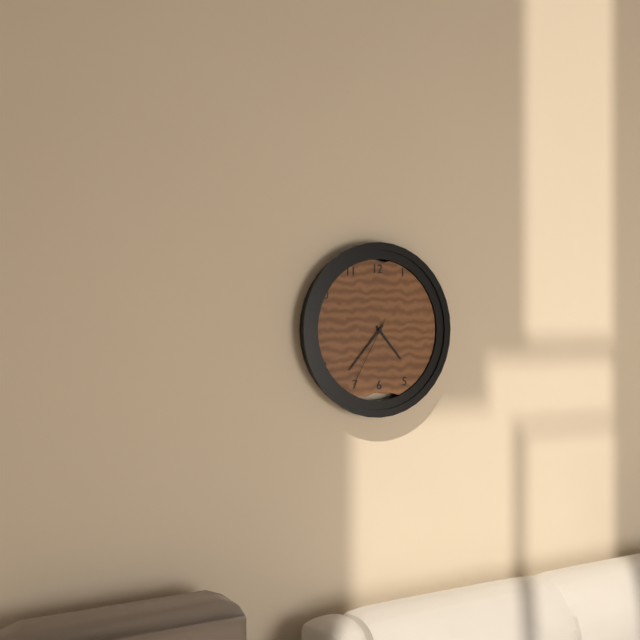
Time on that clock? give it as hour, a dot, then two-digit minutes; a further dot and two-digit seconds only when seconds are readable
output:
4.37.35
